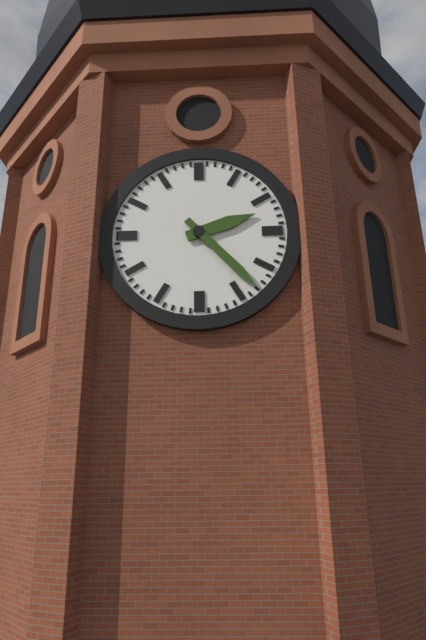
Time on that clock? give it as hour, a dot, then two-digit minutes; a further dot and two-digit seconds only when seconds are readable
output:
2.23
